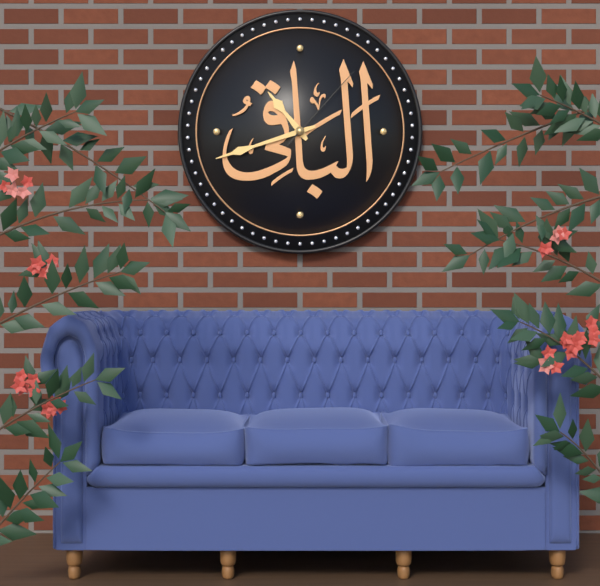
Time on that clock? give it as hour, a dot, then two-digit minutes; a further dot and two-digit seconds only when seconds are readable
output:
10.42.07
